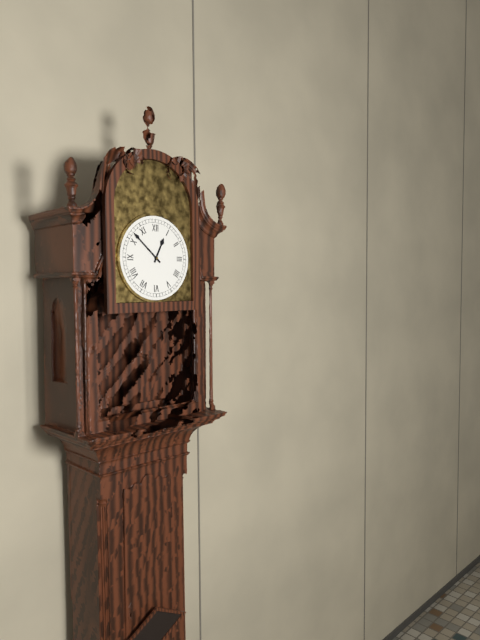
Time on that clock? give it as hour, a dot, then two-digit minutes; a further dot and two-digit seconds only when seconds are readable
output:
12.52
